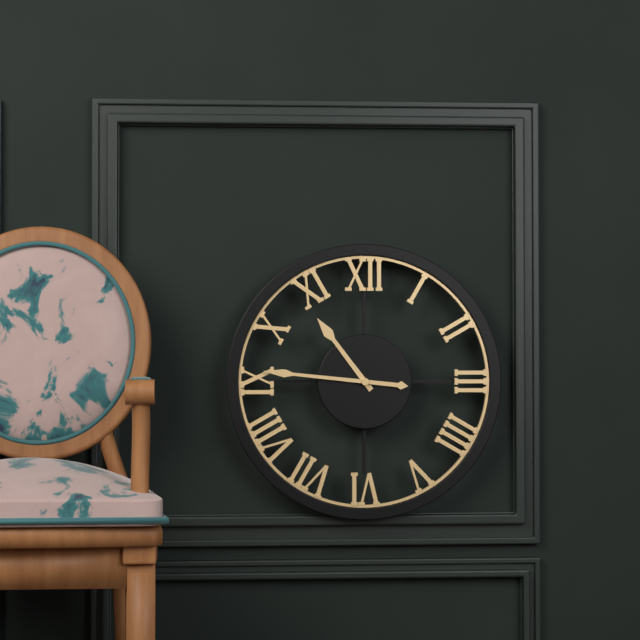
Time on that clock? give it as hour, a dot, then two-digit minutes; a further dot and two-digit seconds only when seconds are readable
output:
10.46
